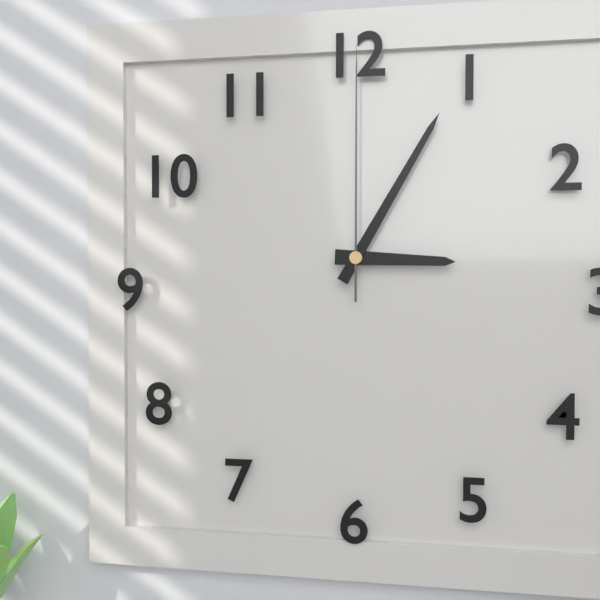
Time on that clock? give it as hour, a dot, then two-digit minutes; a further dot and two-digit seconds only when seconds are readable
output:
3.05.00
